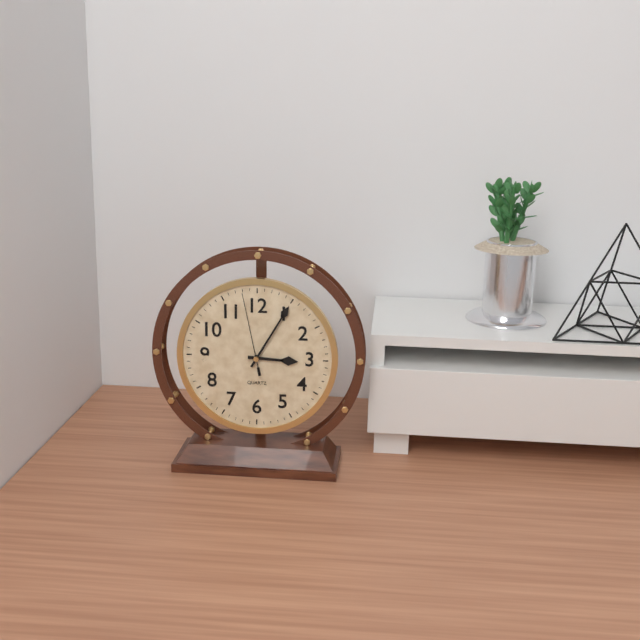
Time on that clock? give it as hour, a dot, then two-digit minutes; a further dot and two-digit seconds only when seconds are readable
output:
3.05.58
